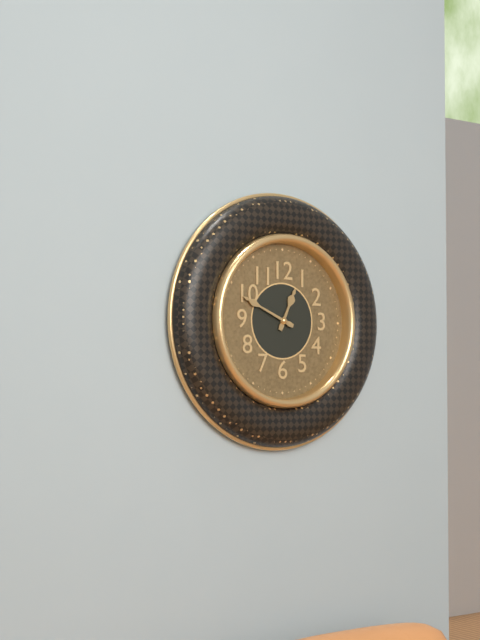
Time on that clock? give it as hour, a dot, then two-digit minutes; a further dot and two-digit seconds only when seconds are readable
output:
12.49
